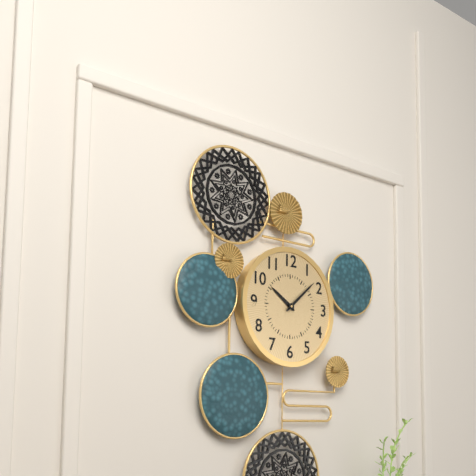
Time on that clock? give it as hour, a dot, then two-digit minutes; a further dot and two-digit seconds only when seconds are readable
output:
10.08
